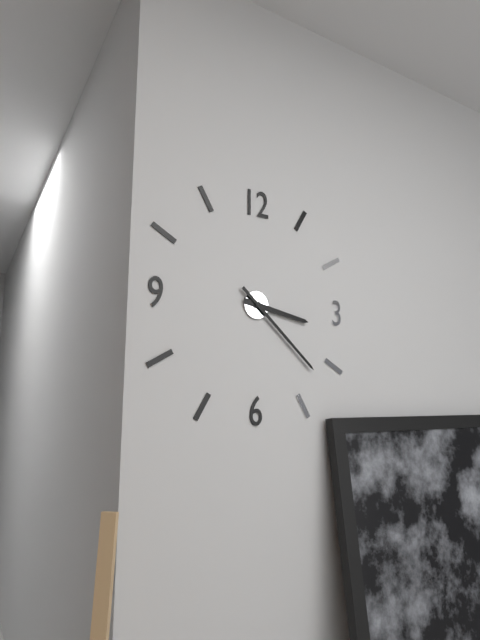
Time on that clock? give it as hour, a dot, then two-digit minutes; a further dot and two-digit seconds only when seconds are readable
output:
3.22
